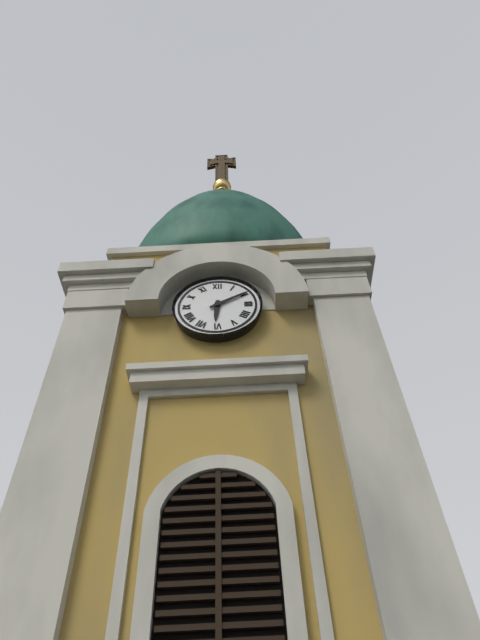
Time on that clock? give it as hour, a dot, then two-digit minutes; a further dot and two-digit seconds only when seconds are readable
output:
6.10
